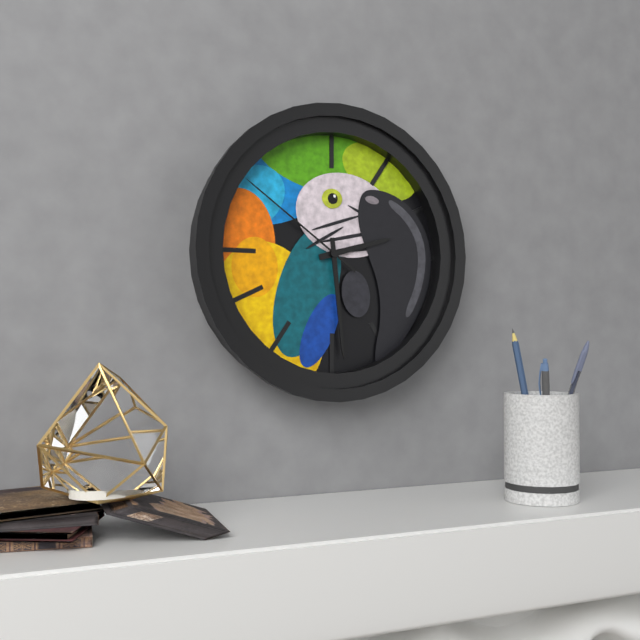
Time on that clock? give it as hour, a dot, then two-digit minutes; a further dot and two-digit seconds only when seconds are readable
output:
2.29.51
